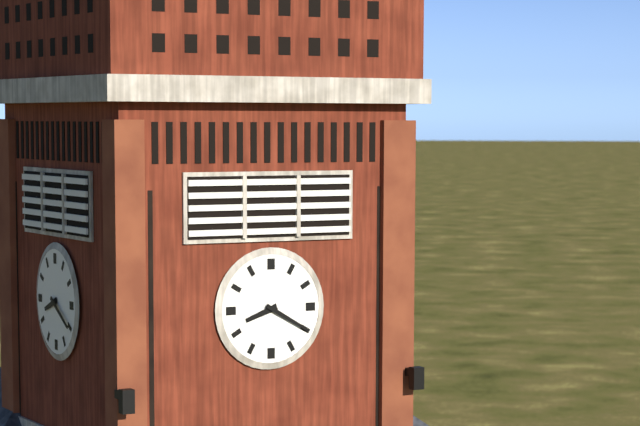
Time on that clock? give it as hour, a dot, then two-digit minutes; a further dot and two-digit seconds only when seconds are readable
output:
8.20
